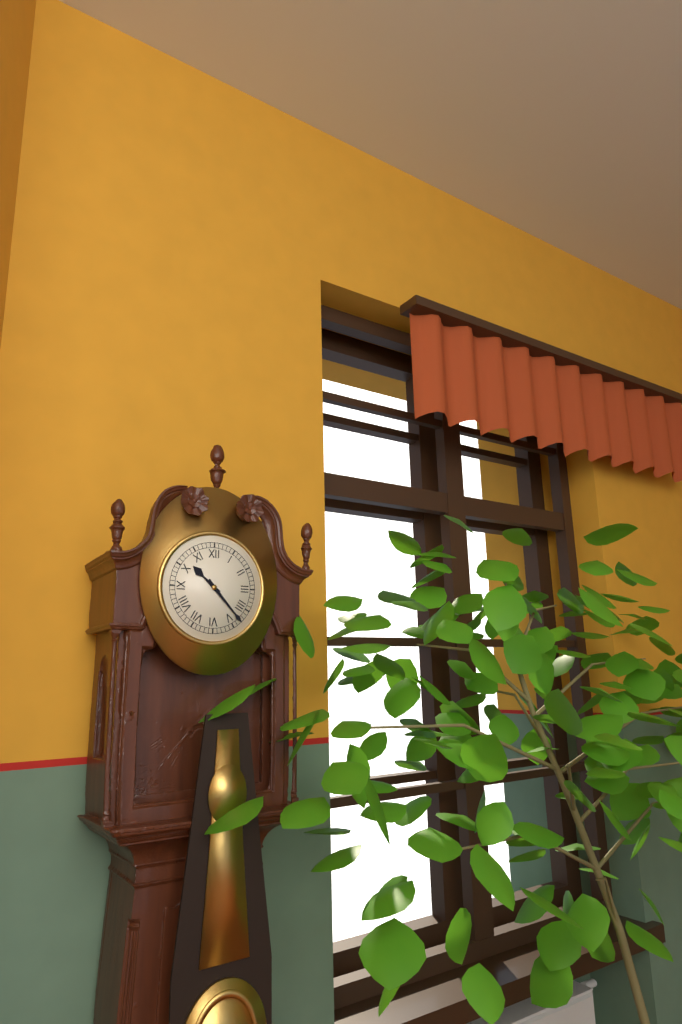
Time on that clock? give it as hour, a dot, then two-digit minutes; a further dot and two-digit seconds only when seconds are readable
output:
10.23
